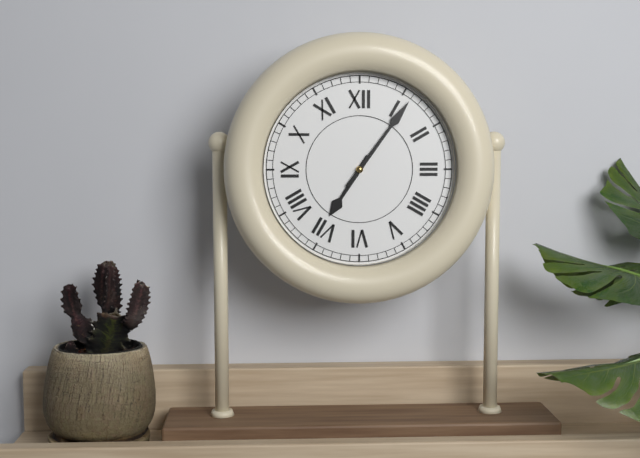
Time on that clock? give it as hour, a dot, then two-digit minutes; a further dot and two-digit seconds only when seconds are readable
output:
7.06
